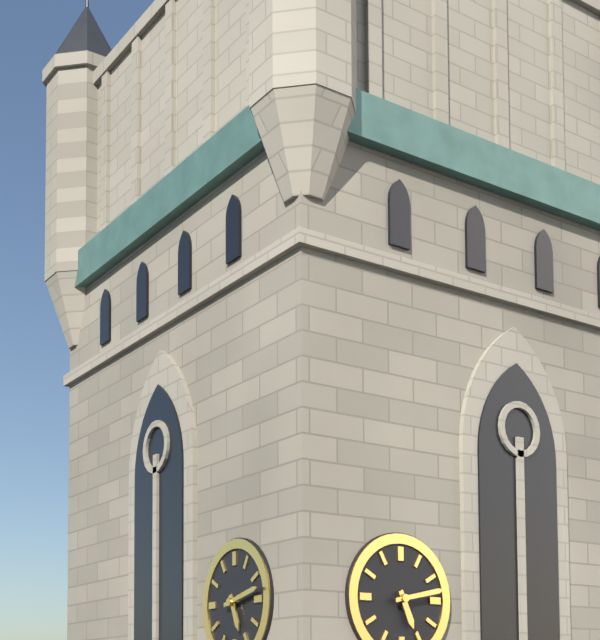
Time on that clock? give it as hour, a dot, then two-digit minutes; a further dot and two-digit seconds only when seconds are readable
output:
5.13
